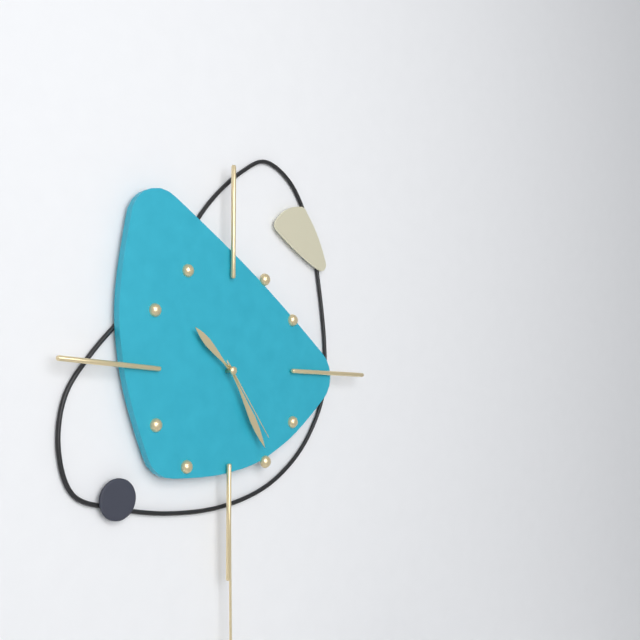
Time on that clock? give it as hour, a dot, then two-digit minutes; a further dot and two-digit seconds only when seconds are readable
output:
10.25.24
